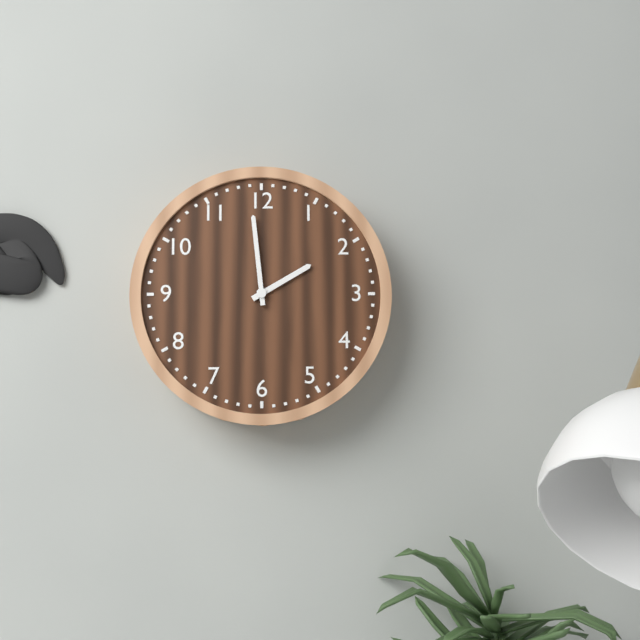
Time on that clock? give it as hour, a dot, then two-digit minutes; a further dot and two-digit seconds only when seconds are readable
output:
1.59
